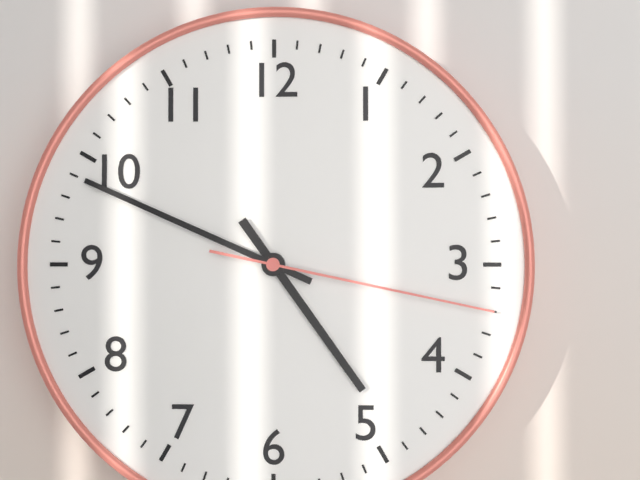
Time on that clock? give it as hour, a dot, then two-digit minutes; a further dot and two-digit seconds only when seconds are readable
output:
4.49.17
